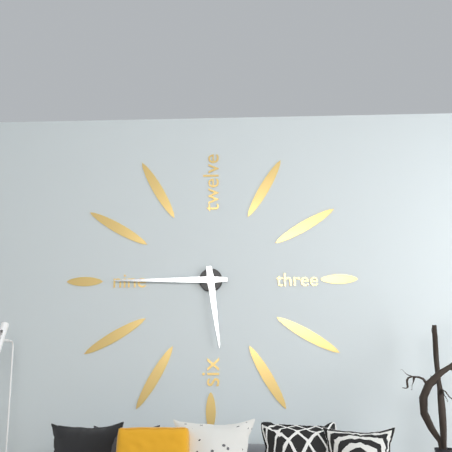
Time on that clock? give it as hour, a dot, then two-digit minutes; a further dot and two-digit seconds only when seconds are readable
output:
5.45
